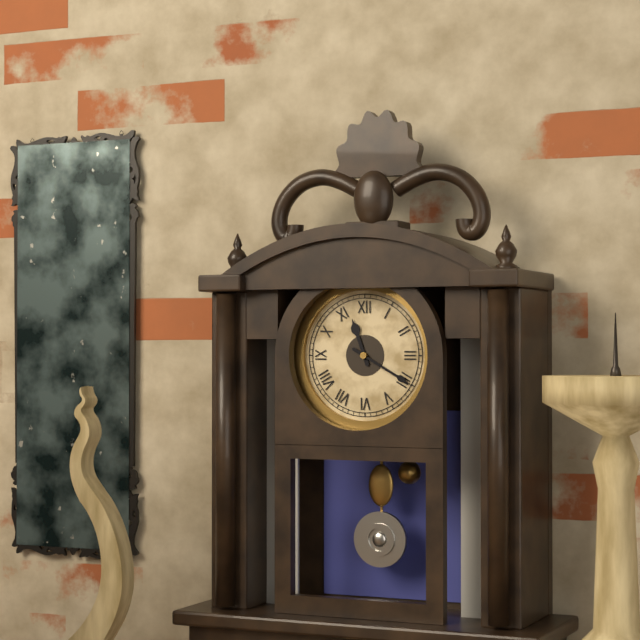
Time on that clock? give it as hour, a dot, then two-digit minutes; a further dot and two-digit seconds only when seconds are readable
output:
11.20
